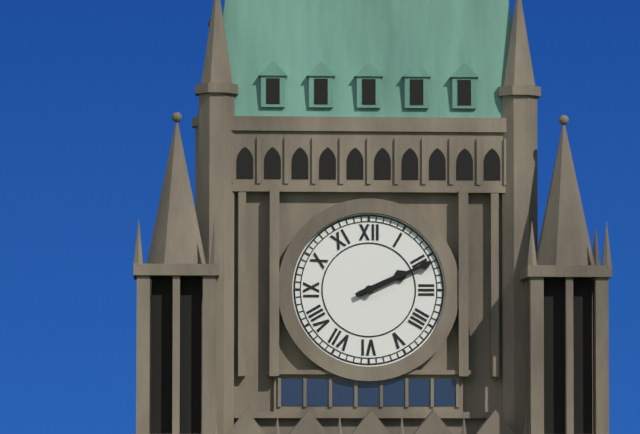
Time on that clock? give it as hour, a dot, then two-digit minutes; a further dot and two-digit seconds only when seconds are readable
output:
2.11
